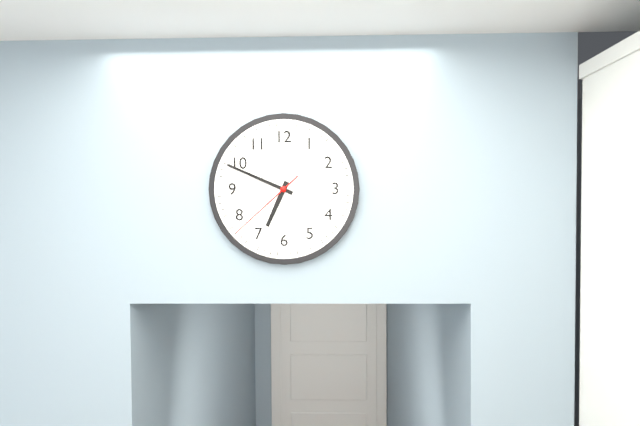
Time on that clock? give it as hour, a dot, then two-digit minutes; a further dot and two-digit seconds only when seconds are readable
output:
6.49.38
